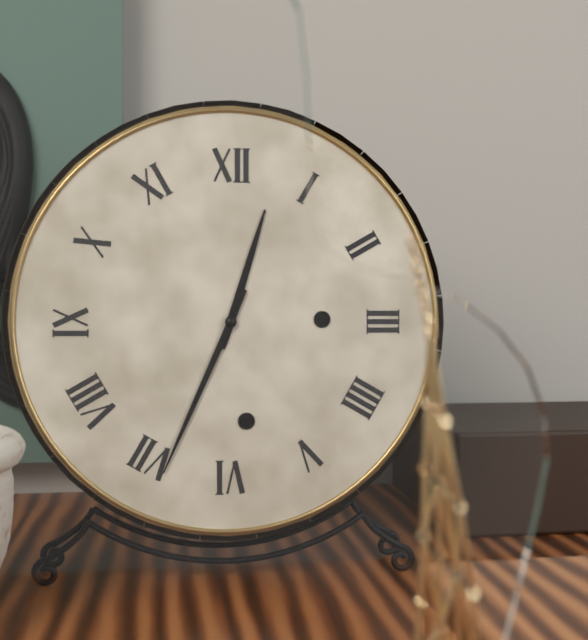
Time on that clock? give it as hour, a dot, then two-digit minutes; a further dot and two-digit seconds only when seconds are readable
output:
12.34
